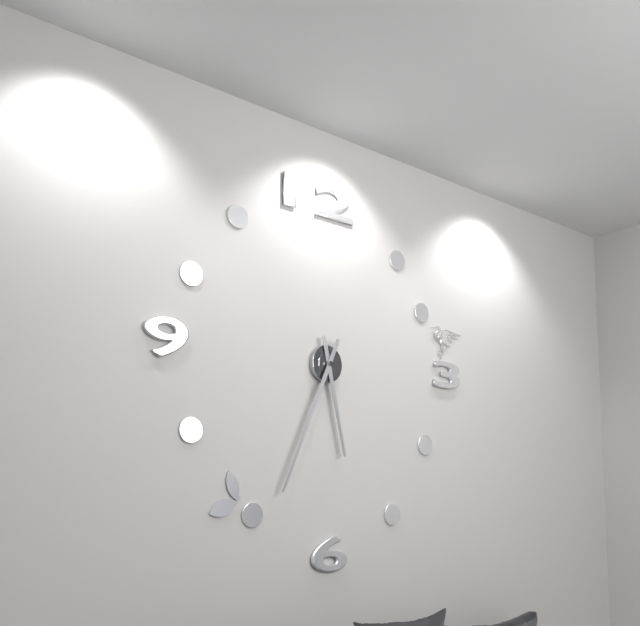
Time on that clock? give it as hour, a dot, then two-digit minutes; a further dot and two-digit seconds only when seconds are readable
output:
5.34
